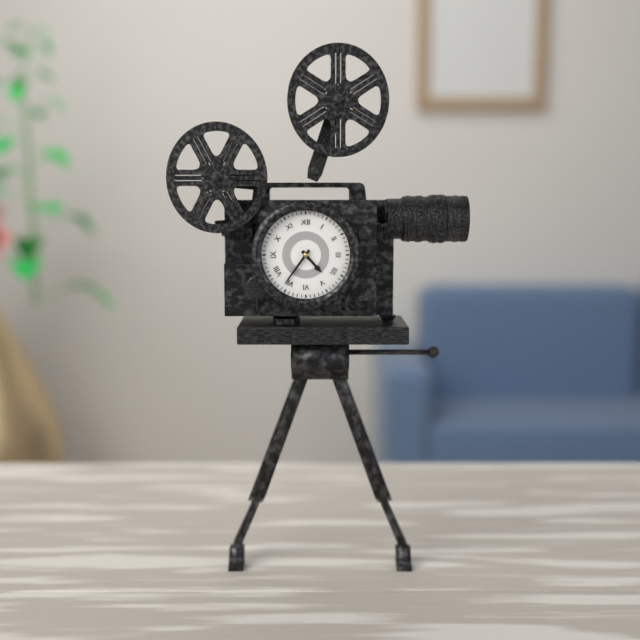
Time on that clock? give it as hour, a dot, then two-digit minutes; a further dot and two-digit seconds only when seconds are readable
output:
4.36
